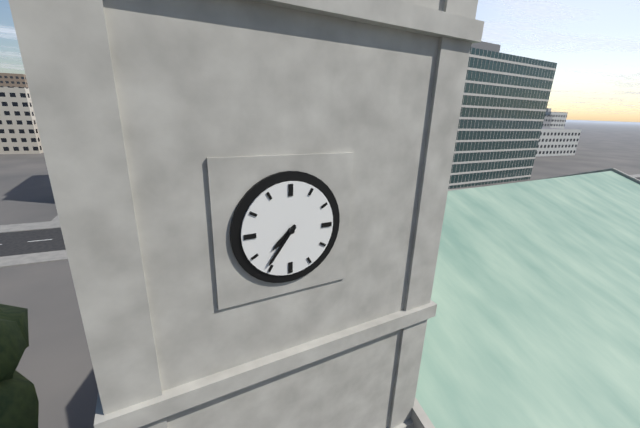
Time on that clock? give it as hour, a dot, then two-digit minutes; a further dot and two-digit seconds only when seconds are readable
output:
7.36
